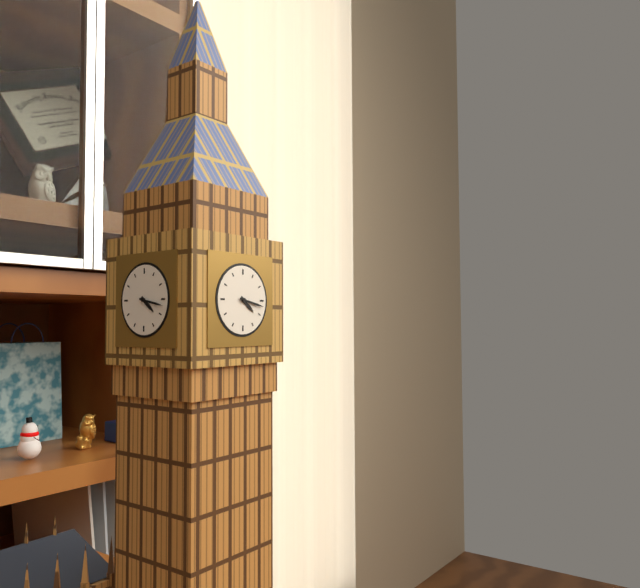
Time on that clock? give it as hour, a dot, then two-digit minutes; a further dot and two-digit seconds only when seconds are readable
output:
4.17
